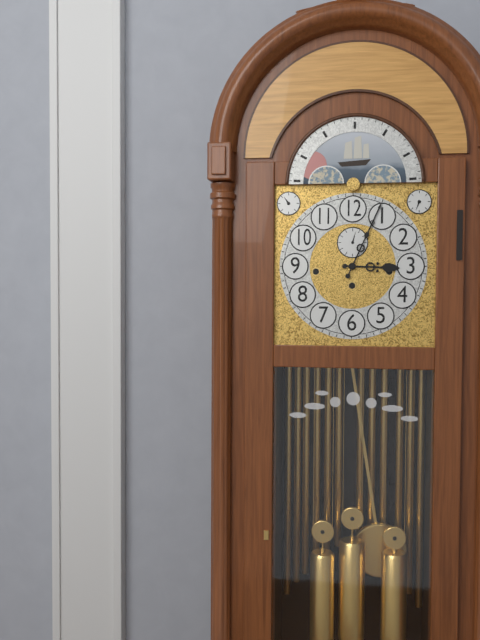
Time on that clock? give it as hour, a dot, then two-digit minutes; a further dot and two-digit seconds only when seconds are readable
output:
3.04
